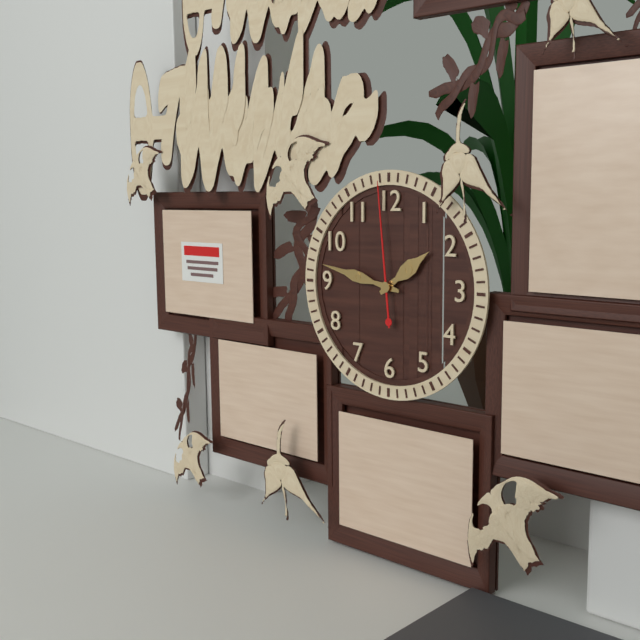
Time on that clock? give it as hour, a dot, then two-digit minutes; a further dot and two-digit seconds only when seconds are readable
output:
1.47.59
